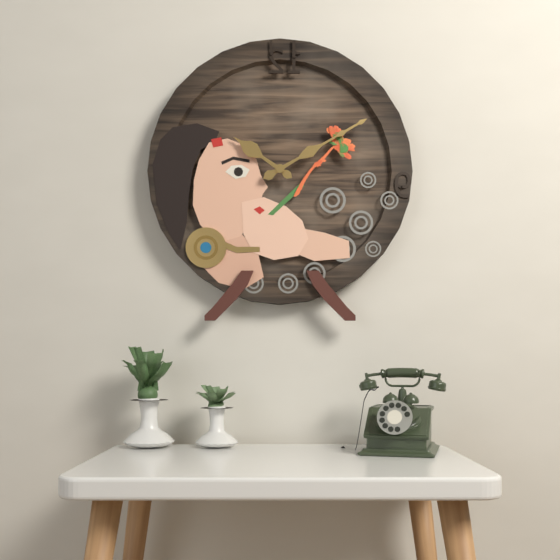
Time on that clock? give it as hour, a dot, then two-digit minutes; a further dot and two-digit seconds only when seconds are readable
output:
10.10
